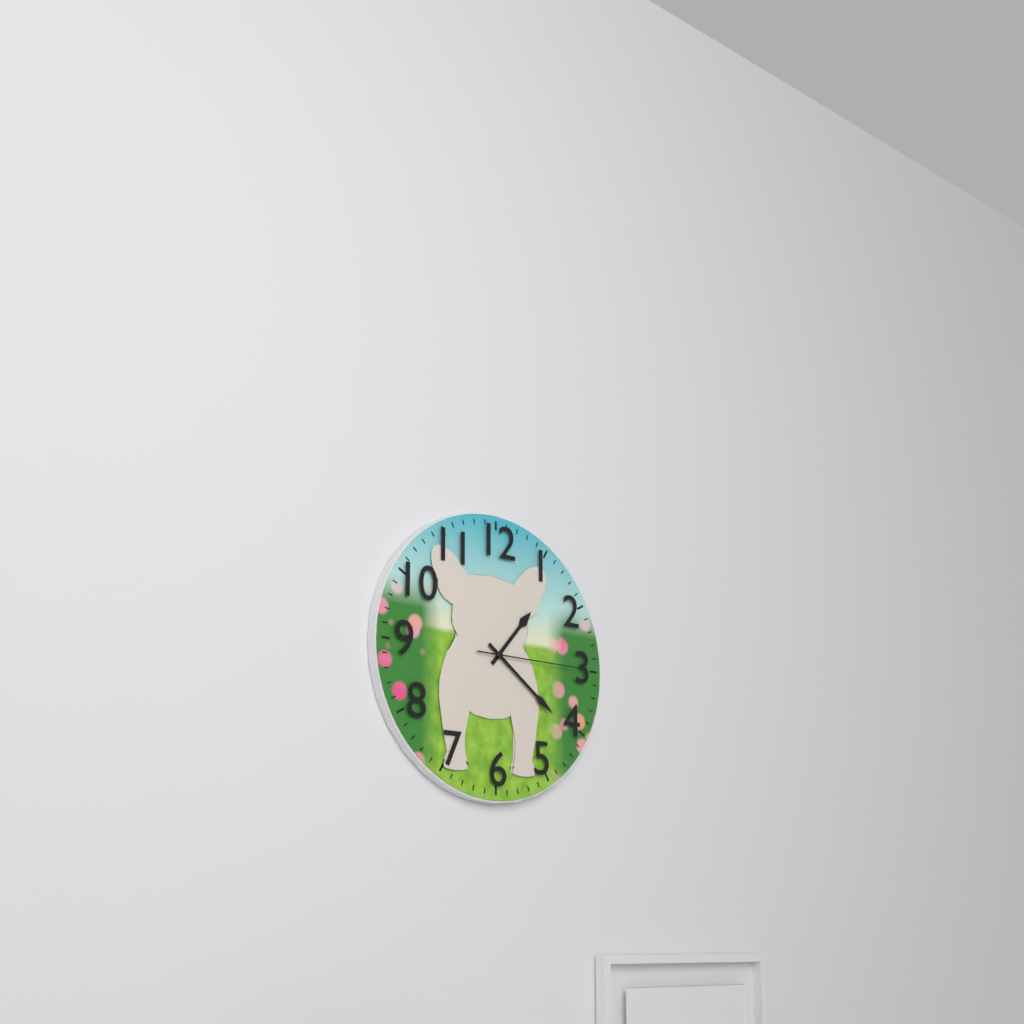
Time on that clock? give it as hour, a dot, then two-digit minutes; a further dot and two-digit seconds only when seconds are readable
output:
1.21.15
